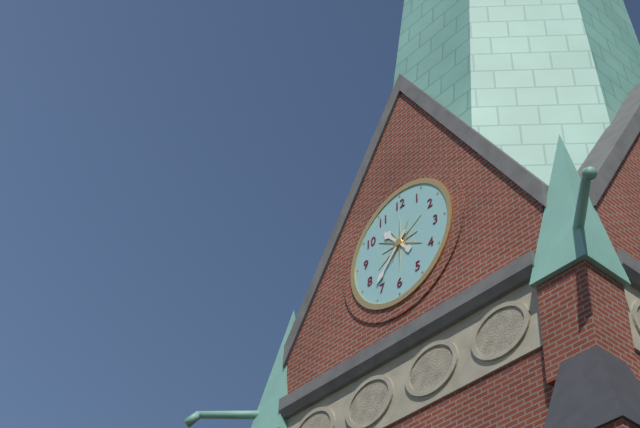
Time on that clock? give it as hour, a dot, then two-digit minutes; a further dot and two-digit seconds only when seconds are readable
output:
10.37
